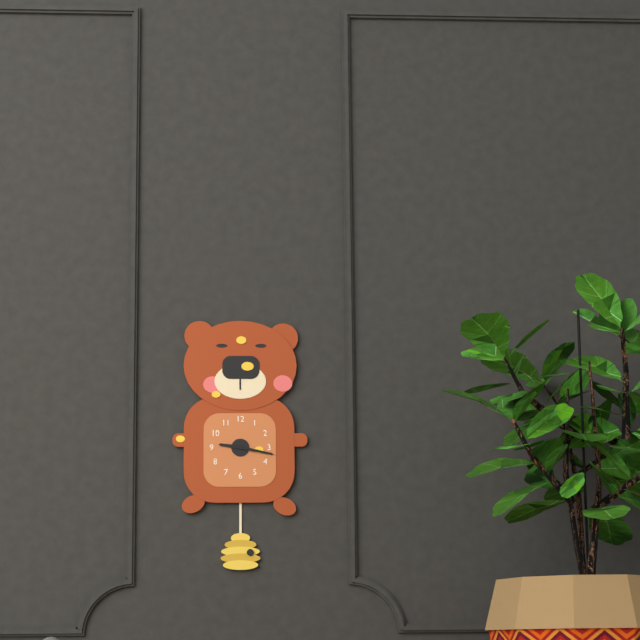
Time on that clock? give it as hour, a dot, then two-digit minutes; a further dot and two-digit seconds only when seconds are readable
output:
9.17
